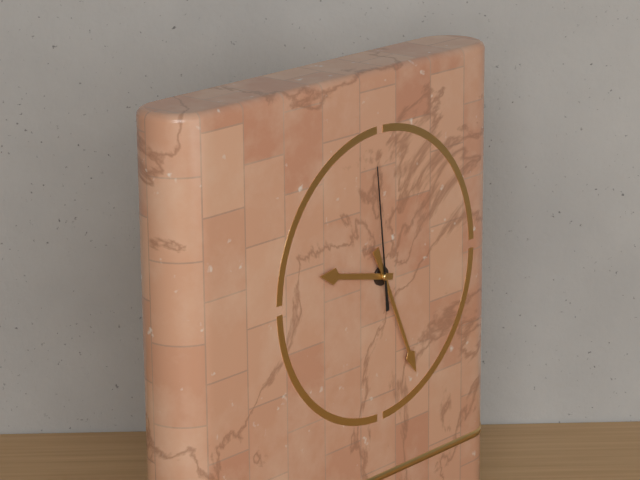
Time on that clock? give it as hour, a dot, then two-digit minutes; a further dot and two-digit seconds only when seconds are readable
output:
9.26.59
